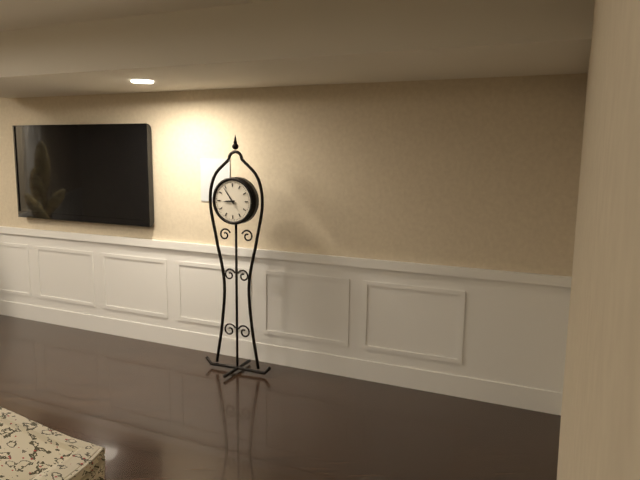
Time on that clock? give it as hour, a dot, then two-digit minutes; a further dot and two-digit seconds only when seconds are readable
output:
8.54
